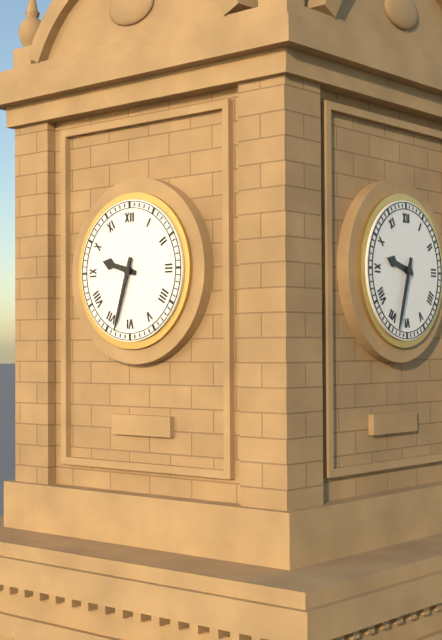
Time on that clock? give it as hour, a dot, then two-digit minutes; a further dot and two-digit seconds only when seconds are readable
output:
9.33
